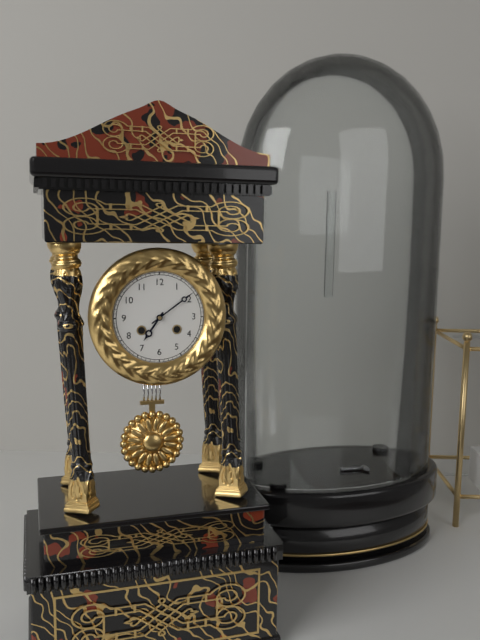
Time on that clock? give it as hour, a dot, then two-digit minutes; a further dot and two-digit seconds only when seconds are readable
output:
7.09
